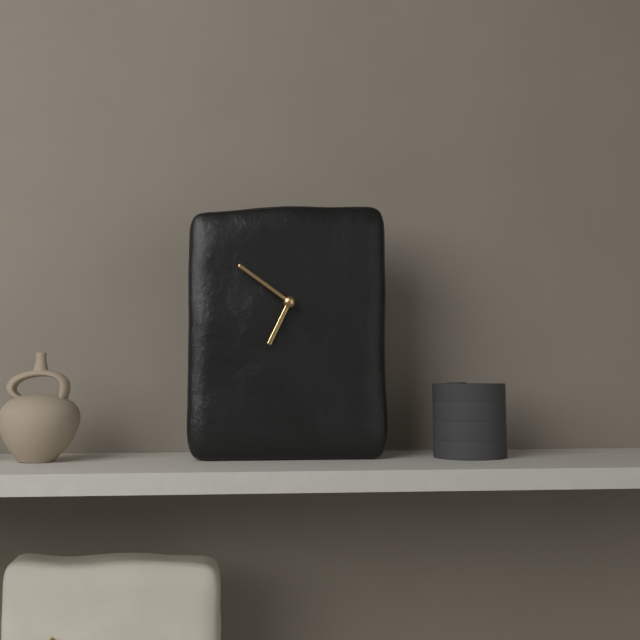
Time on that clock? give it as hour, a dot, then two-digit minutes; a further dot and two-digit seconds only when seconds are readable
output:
6.51
